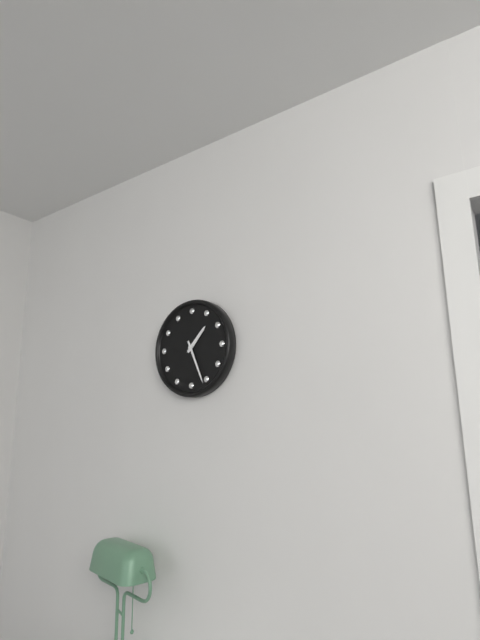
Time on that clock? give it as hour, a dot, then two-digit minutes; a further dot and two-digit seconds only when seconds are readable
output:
1.26
